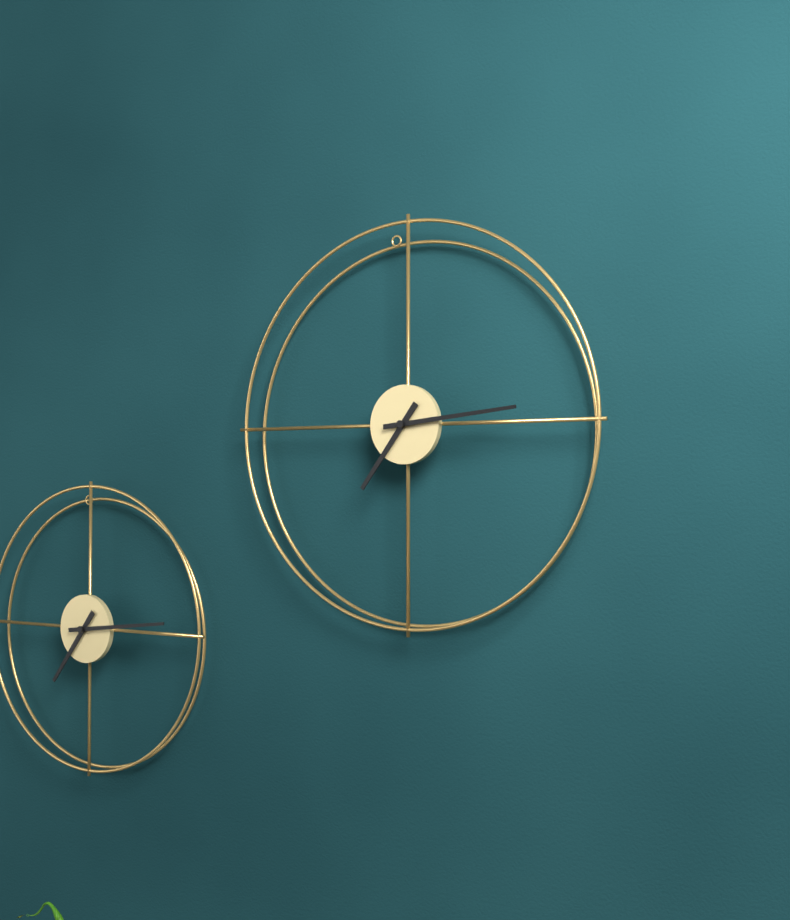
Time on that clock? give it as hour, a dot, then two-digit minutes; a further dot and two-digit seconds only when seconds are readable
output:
7.14
